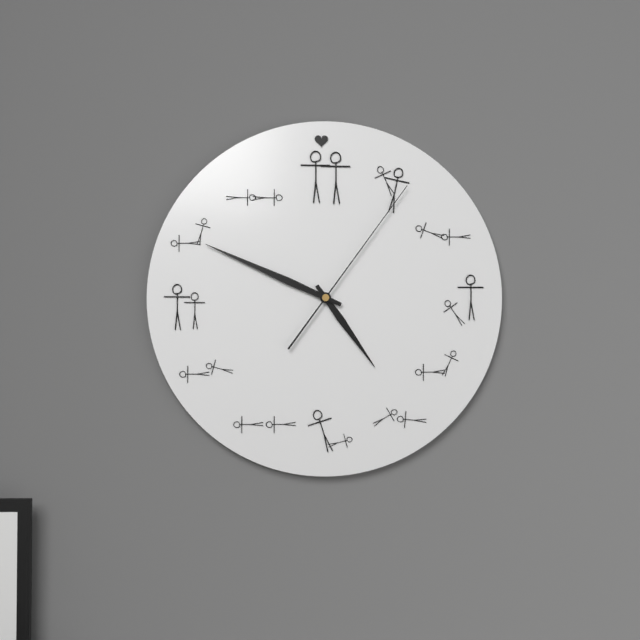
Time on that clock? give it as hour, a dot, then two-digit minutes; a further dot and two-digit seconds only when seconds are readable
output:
4.49.06
